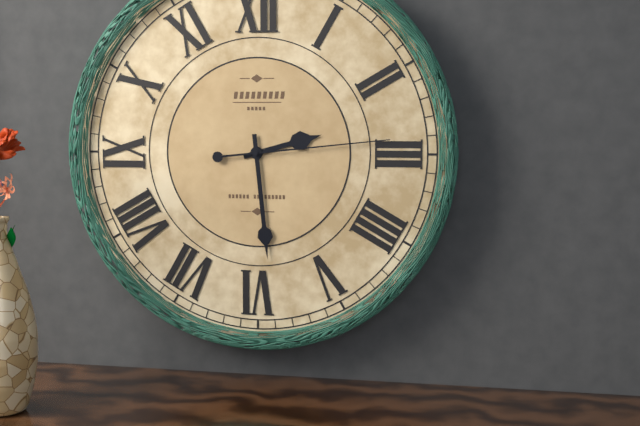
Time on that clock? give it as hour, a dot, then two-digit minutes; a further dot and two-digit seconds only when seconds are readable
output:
2.29.14
